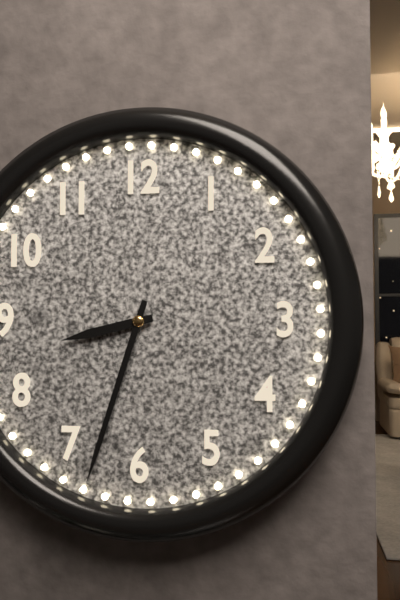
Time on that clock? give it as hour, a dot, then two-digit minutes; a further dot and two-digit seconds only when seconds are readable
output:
8.33
